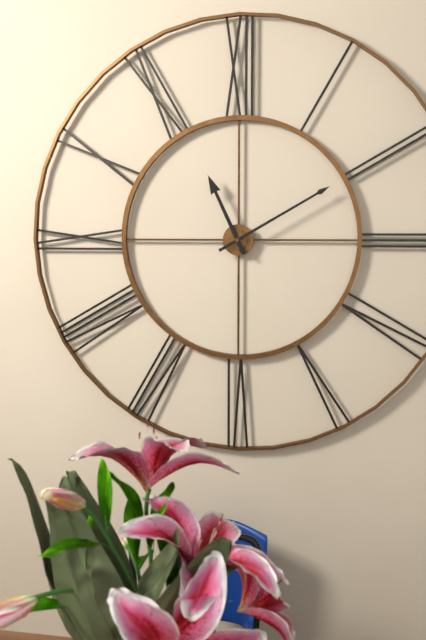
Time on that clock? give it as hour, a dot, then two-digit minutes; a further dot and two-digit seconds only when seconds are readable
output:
11.10
